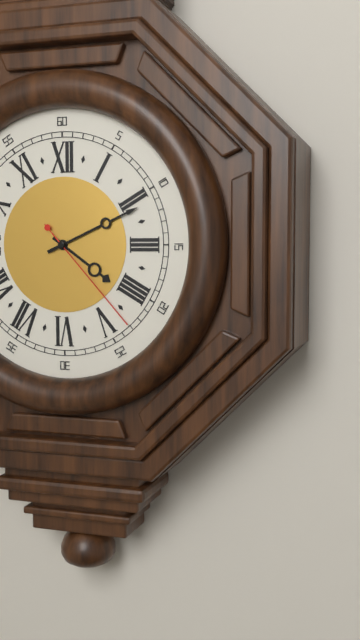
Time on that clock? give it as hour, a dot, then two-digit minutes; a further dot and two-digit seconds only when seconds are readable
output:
4.11.23
